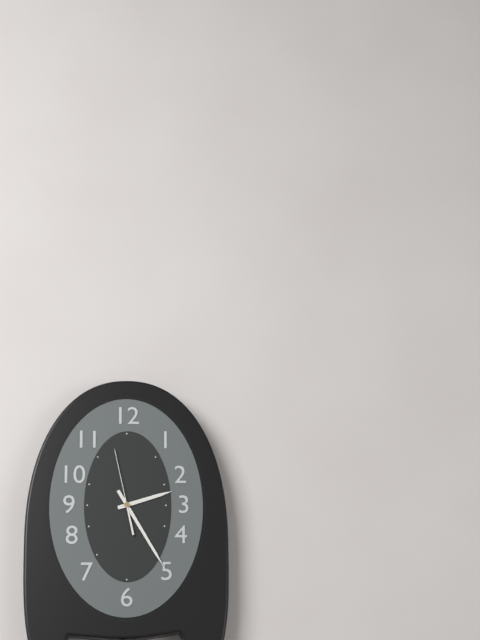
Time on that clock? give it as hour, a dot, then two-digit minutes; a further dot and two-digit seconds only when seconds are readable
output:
2.25.58
